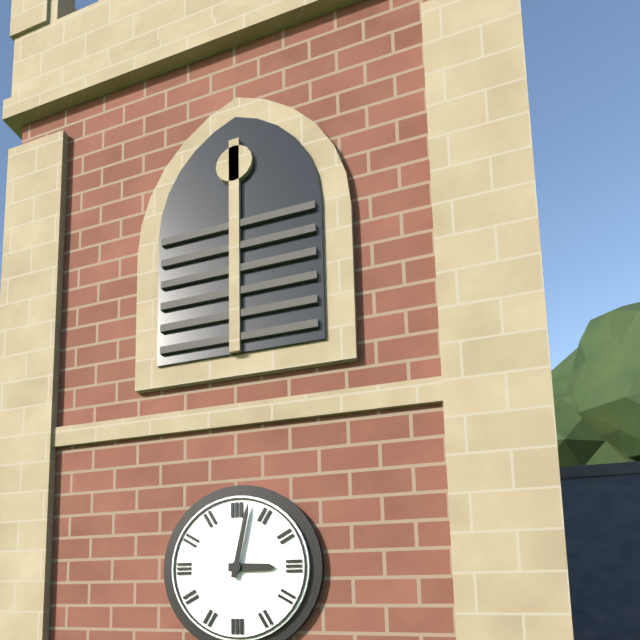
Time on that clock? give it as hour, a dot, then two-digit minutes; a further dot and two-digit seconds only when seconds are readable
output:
3.02
